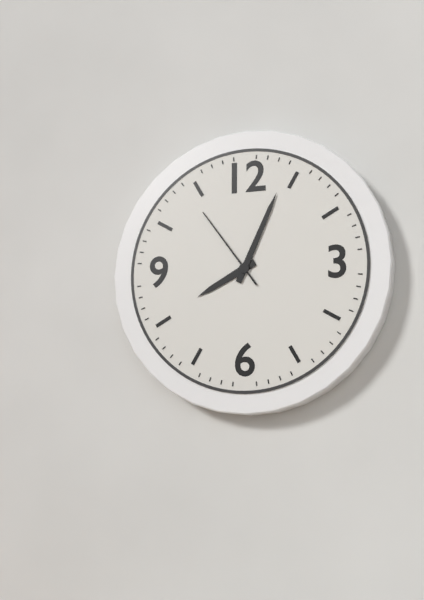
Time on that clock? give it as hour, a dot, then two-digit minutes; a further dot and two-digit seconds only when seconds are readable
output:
8.04.54
